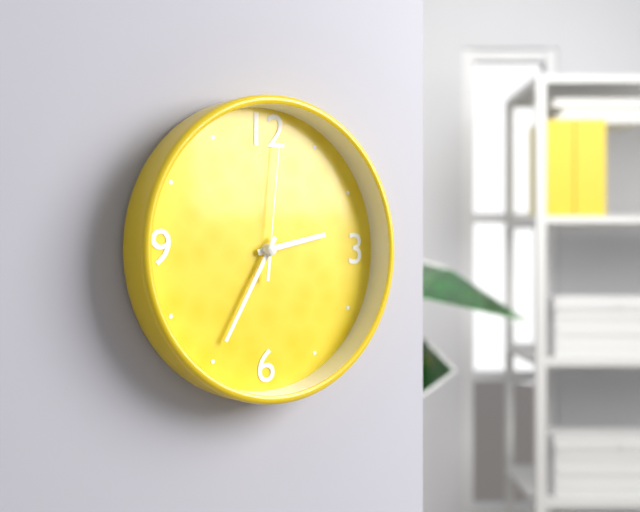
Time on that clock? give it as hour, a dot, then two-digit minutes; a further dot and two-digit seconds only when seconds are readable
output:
2.35.01
